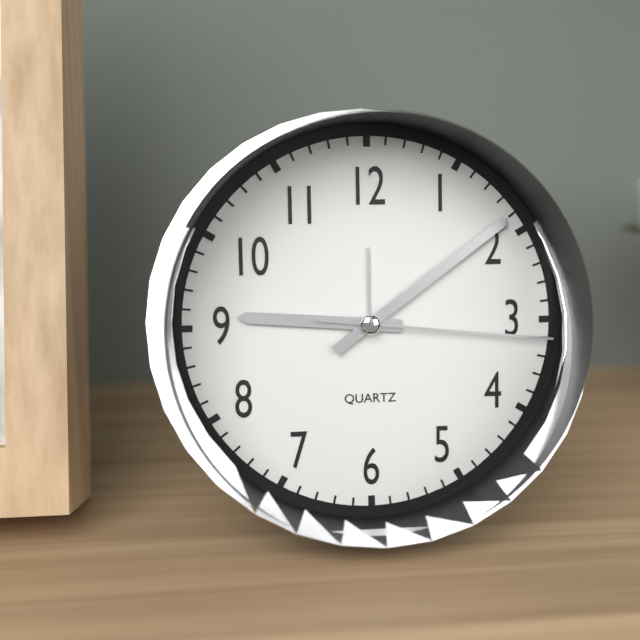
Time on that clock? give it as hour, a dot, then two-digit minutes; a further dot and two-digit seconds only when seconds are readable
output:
9.09.16
